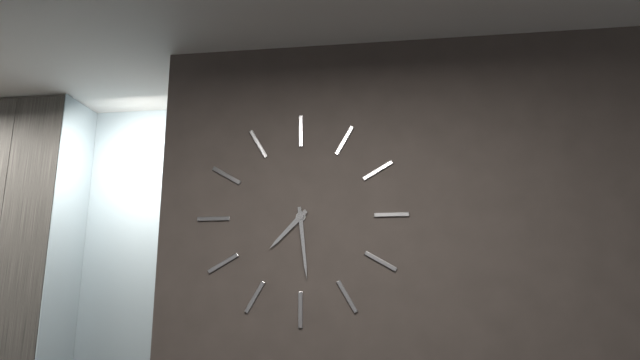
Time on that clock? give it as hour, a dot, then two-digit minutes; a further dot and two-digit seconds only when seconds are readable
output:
7.29
